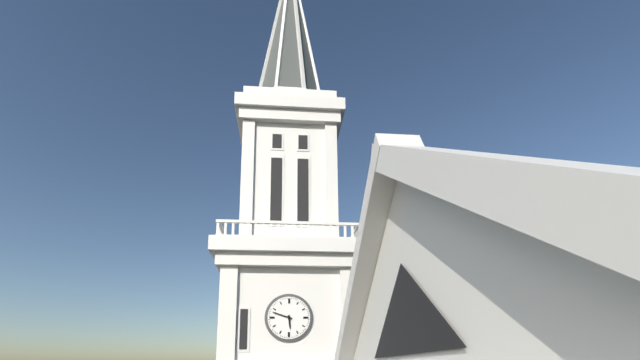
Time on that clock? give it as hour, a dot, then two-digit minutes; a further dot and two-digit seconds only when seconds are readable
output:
5.48
